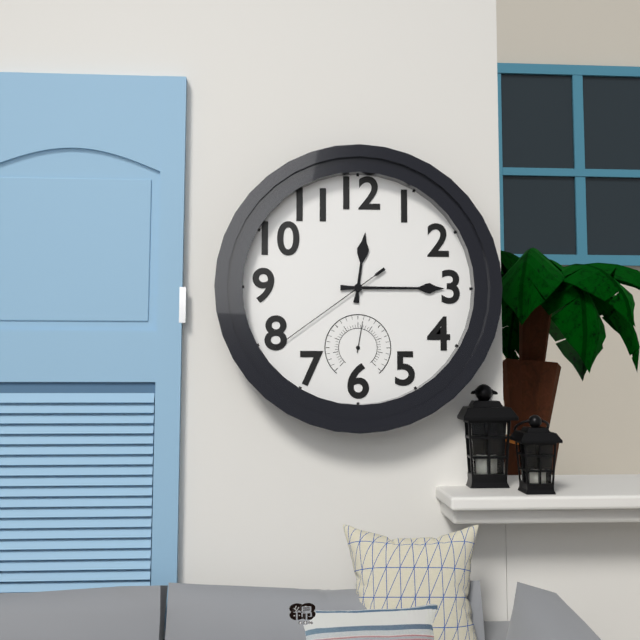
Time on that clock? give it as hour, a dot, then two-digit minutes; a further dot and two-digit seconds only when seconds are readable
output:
12.15.39
